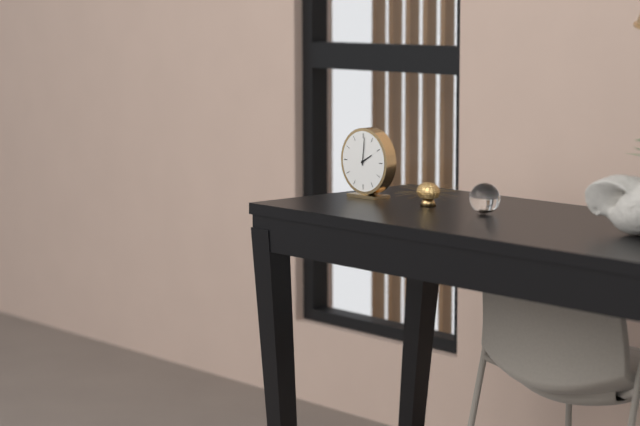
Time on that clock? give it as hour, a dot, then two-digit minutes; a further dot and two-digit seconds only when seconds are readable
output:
2.01
